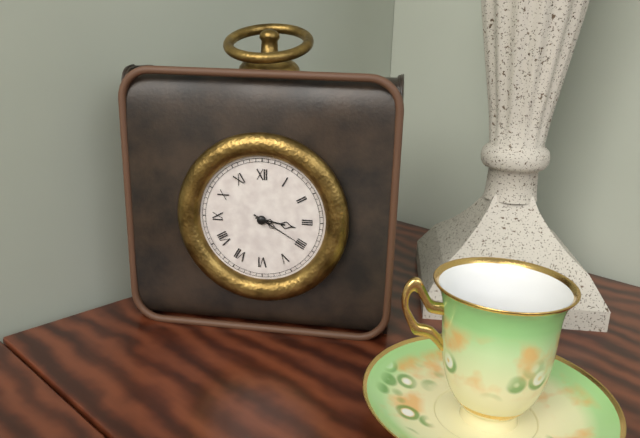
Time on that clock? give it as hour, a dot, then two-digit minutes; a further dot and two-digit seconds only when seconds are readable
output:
3.20
